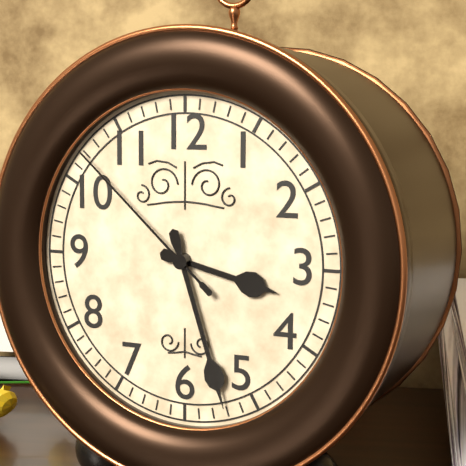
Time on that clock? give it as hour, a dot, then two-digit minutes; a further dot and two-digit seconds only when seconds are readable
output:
3.27.52
